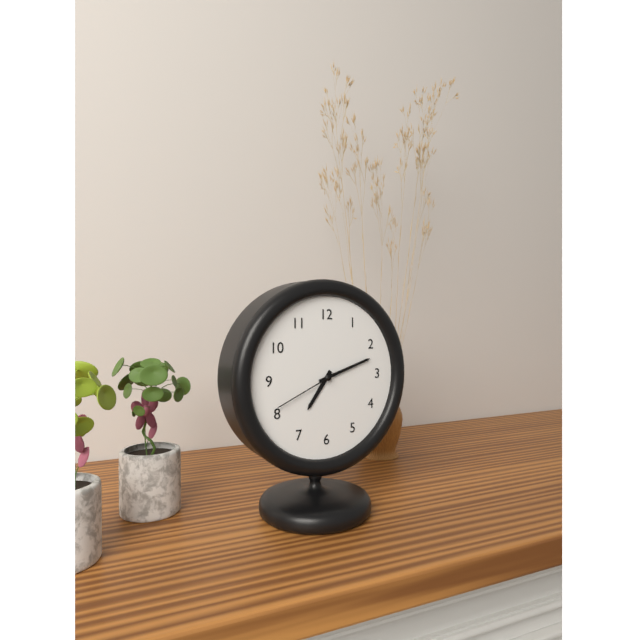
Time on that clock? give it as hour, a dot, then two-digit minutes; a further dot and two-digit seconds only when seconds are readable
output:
7.12.41
